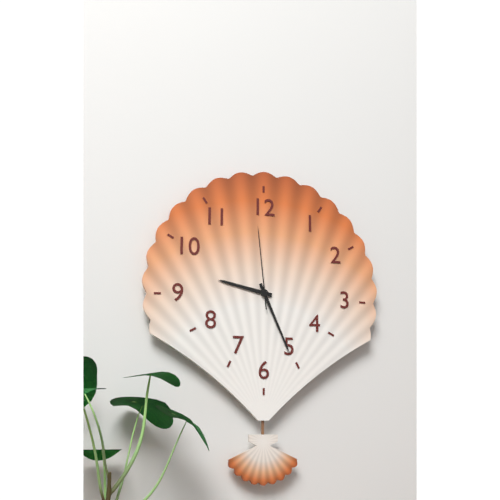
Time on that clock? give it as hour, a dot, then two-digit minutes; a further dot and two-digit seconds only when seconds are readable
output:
9.26.59
